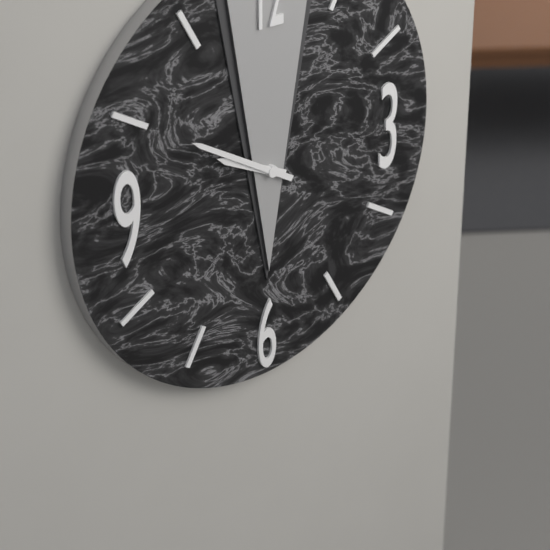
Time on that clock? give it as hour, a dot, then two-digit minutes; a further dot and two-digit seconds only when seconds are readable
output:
9.50
